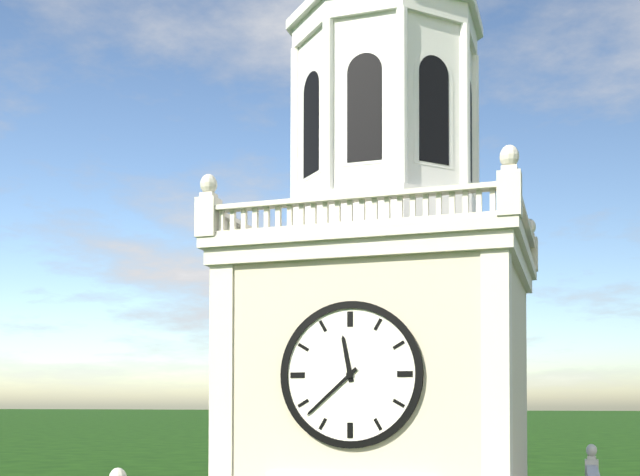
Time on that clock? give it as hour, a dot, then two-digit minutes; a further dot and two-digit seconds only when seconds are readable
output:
11.38
